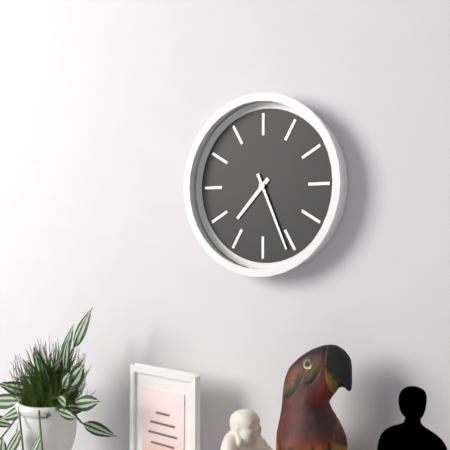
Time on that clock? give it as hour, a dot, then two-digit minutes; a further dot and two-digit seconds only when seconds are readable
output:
7.26
